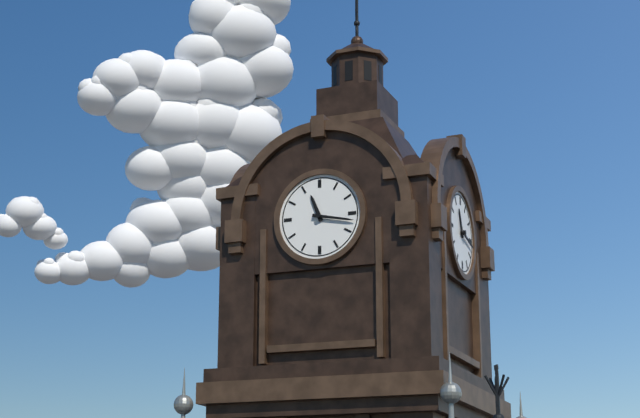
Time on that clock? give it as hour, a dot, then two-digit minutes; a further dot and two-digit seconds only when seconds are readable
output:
11.17
